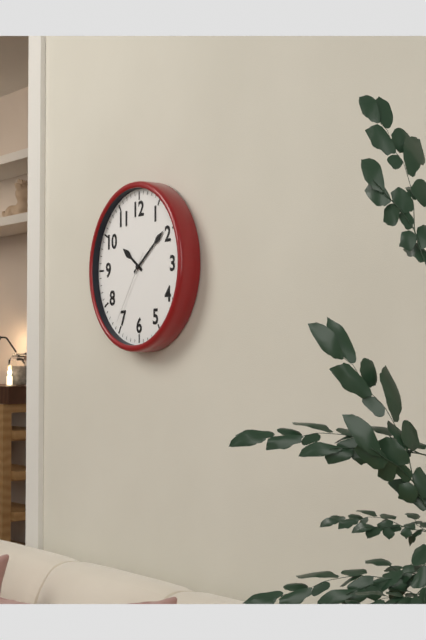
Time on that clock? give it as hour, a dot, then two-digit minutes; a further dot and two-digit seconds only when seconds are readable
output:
10.09.36
